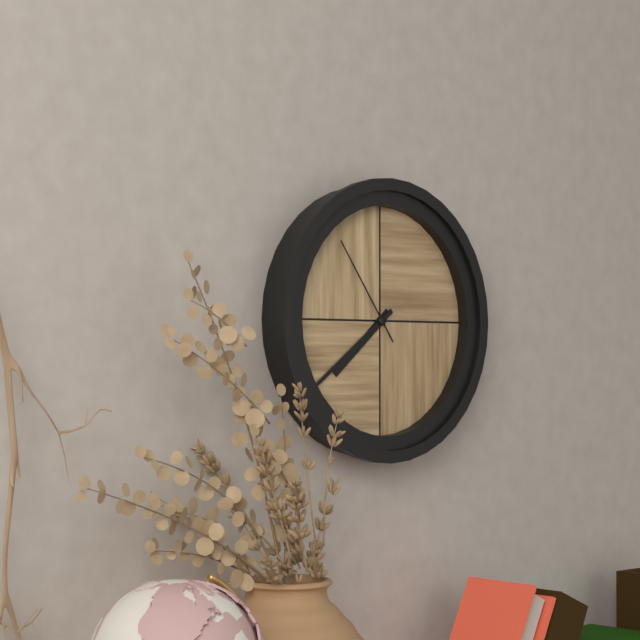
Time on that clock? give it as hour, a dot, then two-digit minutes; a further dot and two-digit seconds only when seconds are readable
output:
7.39.54
